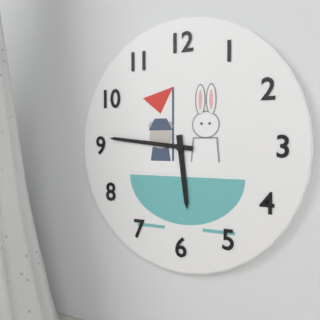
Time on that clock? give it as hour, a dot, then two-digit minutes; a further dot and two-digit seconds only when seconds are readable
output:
5.46
